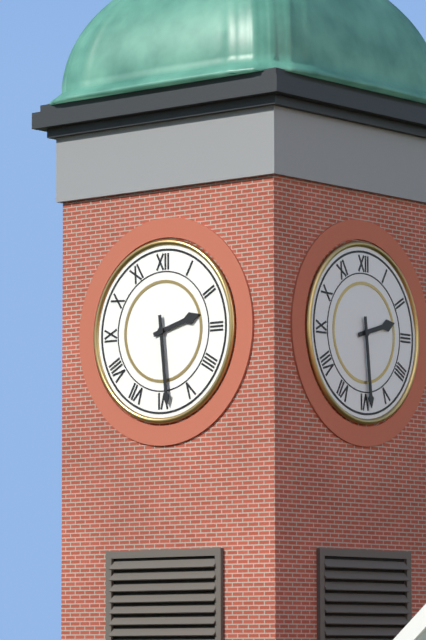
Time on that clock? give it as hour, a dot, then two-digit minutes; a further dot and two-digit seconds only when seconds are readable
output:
2.29
